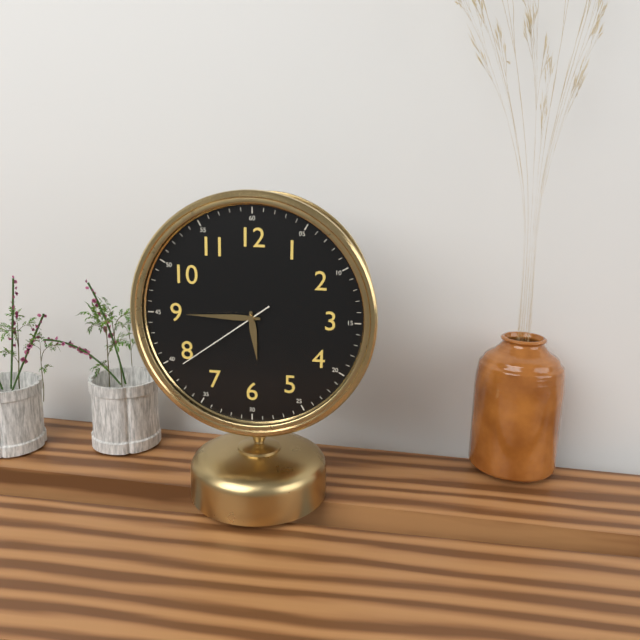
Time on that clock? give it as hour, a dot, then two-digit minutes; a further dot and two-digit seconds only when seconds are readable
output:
5.45.39
